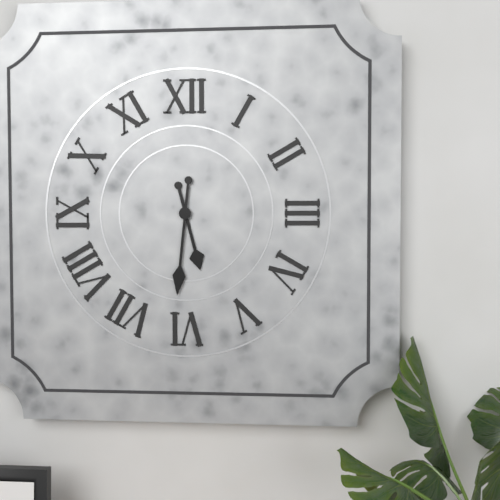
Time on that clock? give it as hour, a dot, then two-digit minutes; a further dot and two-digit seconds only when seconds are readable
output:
5.31
